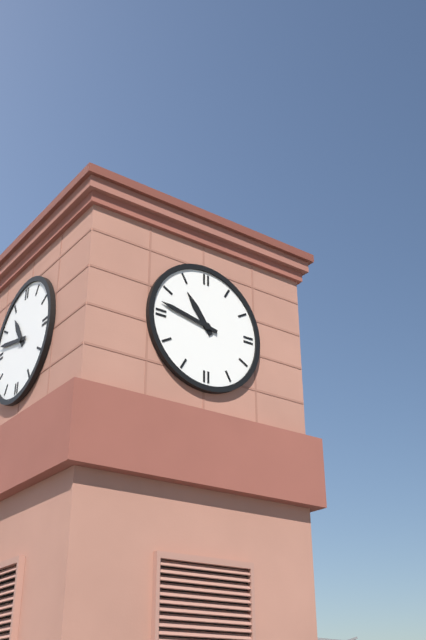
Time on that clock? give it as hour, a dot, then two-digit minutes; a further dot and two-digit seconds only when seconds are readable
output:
10.47
